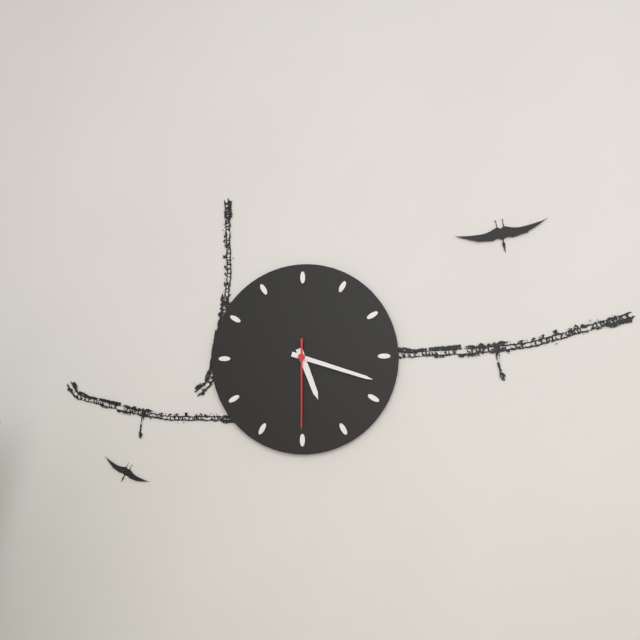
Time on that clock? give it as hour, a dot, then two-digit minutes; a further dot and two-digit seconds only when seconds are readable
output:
5.18.30
